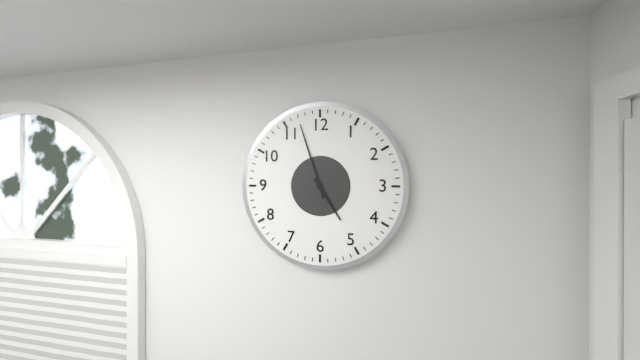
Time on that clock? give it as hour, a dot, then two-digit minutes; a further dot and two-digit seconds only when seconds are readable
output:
4.57
